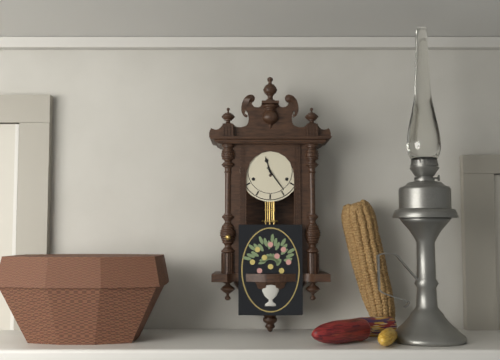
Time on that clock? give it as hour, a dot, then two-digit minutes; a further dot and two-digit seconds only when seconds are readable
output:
11.24
